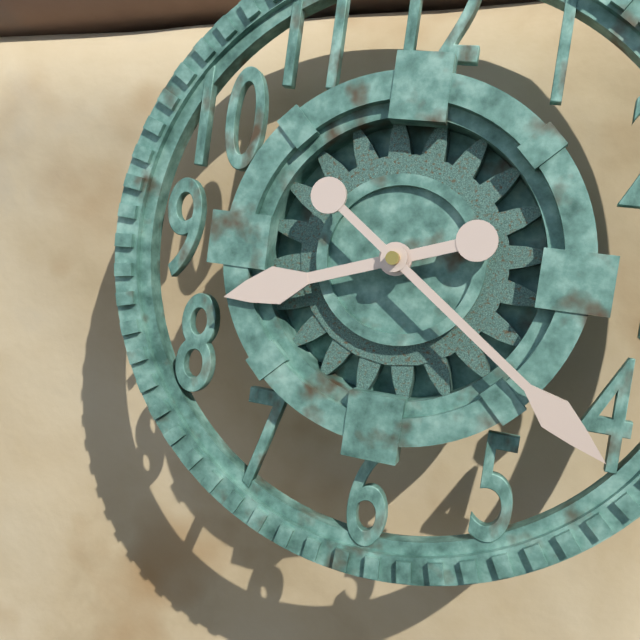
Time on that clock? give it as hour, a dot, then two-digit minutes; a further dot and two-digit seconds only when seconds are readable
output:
8.21
